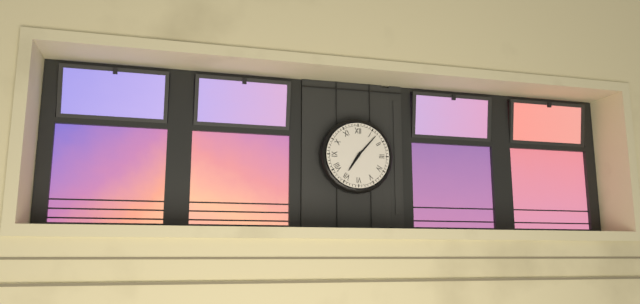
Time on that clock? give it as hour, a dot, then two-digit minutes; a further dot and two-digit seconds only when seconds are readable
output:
7.07
